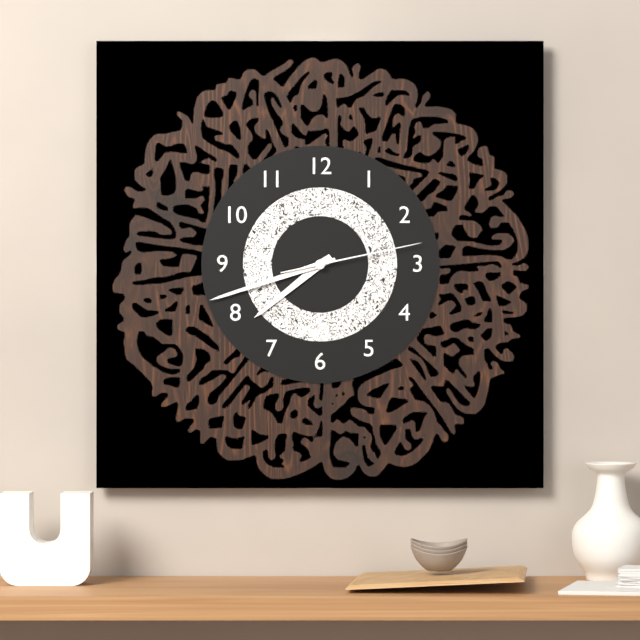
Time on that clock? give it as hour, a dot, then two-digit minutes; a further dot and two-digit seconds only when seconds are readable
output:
7.42.13
